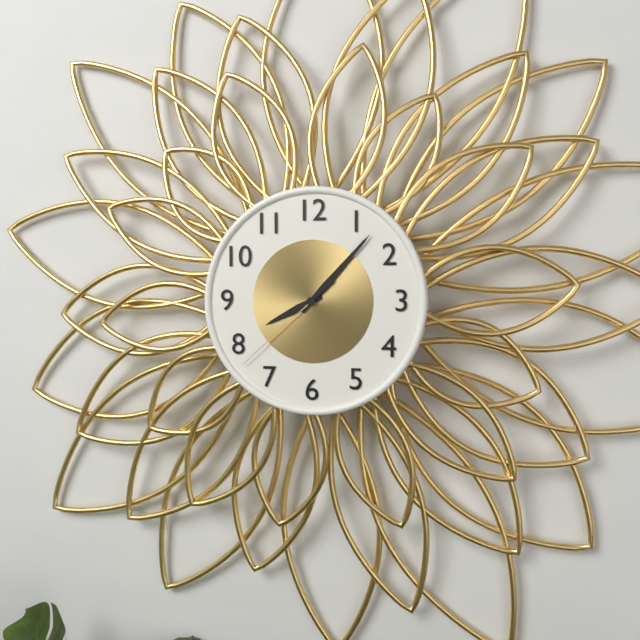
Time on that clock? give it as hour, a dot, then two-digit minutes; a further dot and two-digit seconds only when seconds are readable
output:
8.07.38
